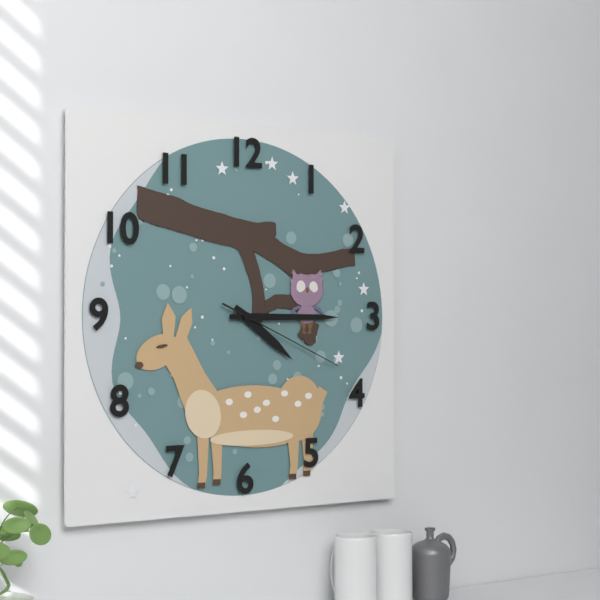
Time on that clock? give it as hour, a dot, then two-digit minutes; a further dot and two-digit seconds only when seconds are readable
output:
4.15.19
